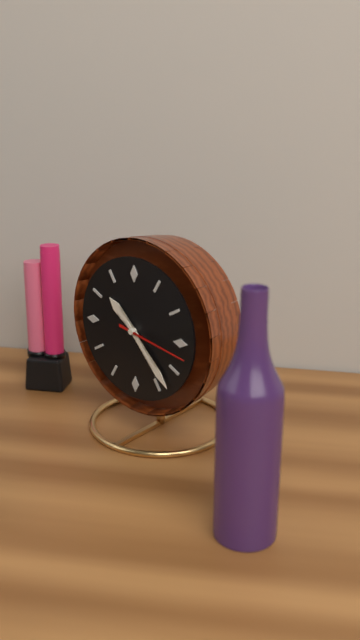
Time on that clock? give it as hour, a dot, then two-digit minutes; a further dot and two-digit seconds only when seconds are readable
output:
10.23.17
